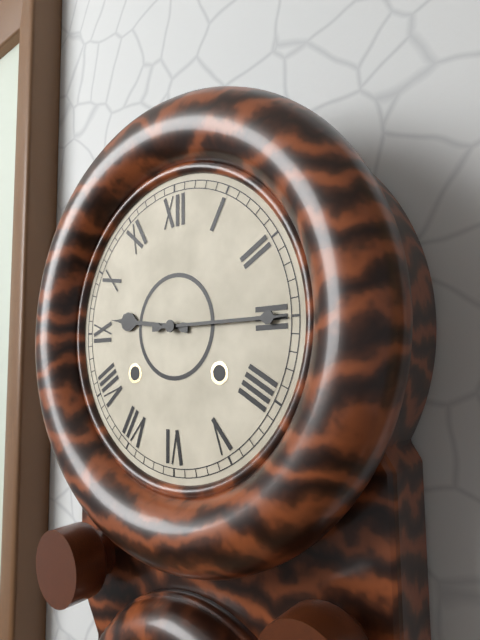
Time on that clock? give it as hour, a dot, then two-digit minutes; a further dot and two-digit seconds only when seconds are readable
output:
9.15
